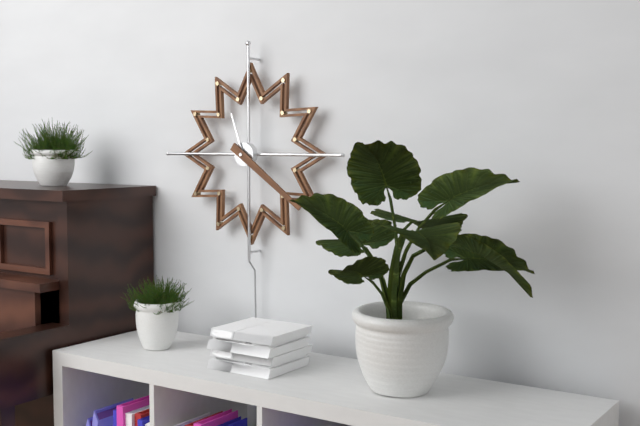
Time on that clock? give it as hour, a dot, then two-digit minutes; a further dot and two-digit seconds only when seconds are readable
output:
11.21
